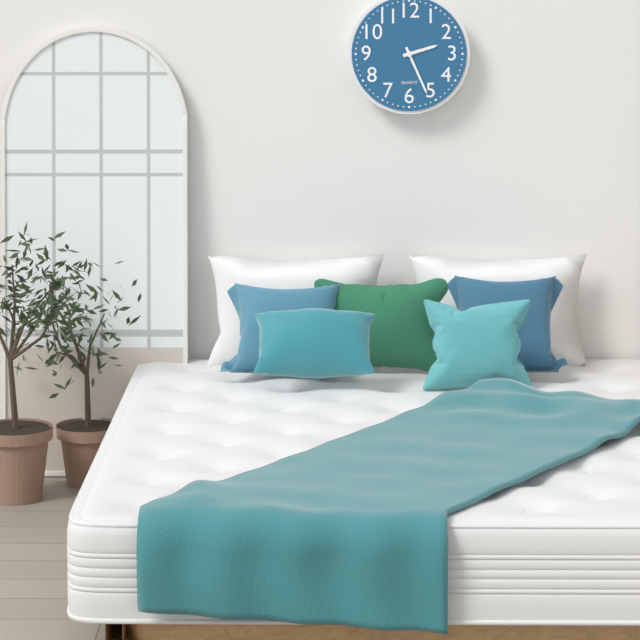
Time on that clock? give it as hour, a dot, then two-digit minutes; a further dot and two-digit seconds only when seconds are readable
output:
2.26
